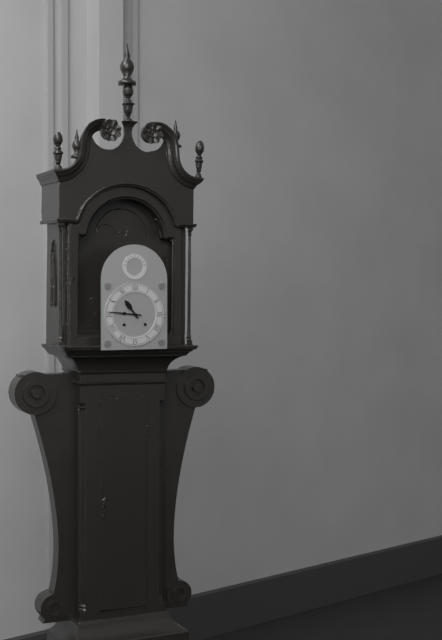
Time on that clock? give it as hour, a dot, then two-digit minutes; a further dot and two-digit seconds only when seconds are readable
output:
10.46
